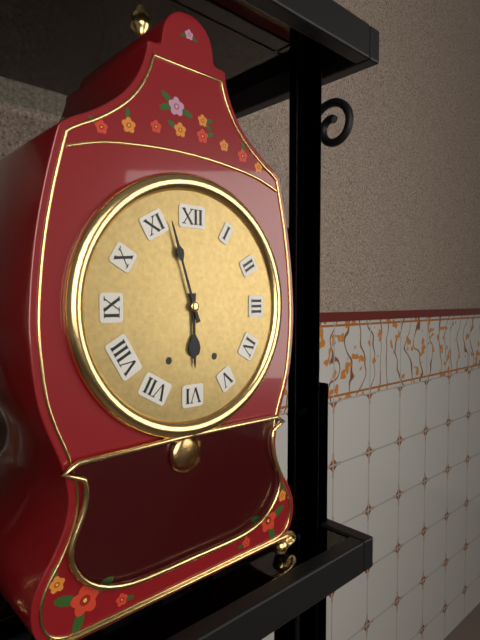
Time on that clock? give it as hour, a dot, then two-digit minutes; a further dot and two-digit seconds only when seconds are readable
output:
5.57
